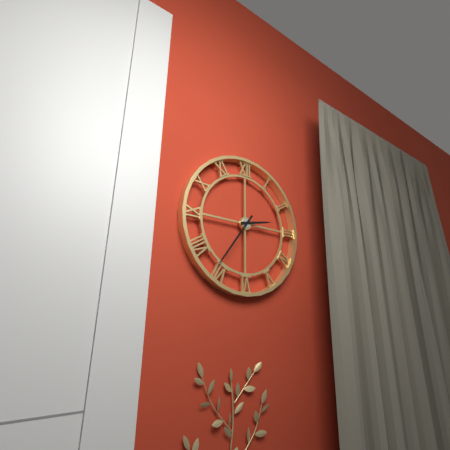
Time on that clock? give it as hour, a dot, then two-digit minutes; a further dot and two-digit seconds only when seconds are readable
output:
2.36
